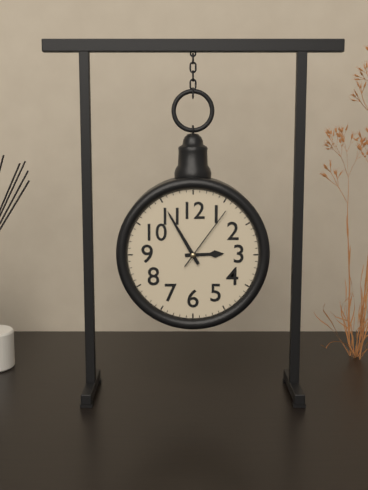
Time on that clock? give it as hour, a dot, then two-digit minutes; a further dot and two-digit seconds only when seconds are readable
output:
2.55.06
